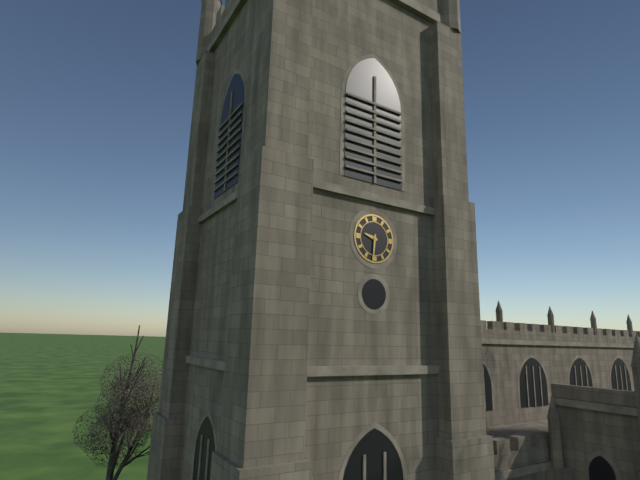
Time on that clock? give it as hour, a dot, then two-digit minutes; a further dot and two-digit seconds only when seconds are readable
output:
9.31
